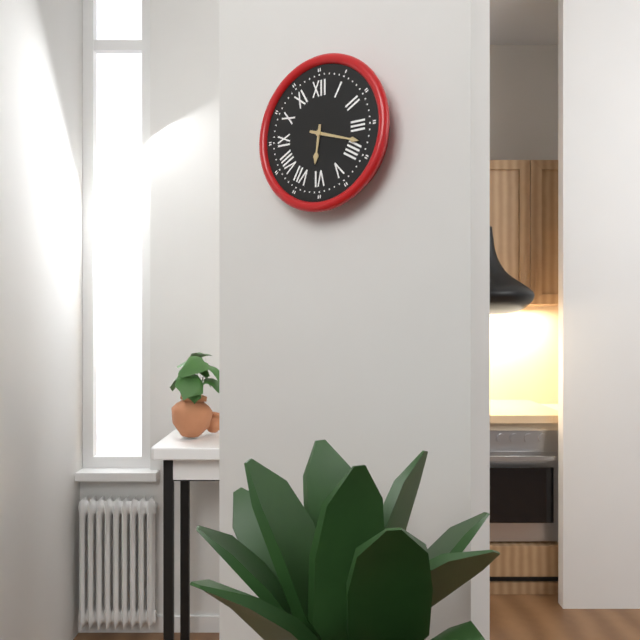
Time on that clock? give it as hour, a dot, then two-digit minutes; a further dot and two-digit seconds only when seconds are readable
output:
6.18
